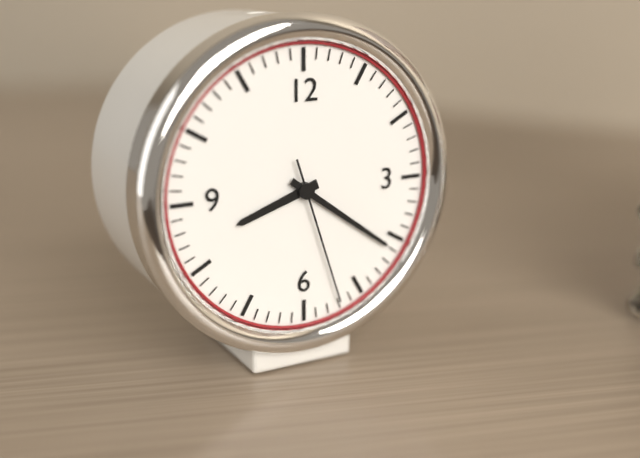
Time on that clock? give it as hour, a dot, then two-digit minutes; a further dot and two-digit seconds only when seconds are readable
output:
8.21.27
